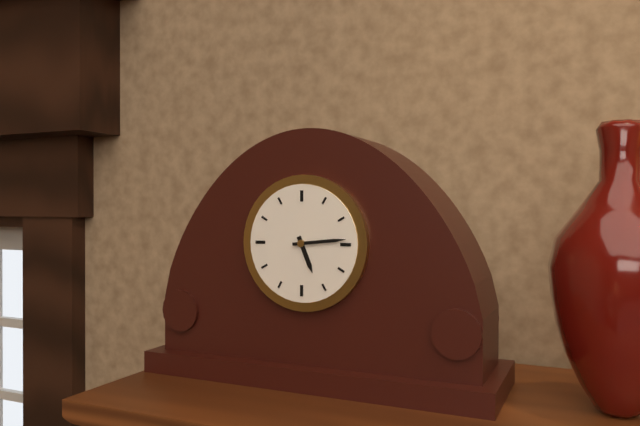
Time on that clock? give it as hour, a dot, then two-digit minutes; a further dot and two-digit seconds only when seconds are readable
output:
5.14
